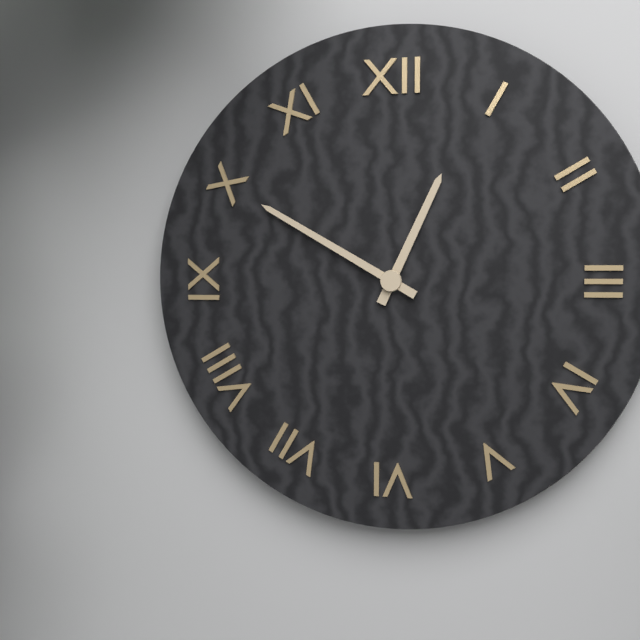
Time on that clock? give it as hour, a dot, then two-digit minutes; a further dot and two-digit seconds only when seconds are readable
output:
12.50
